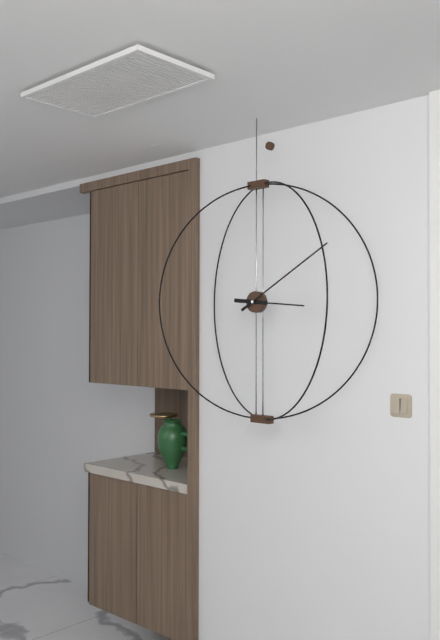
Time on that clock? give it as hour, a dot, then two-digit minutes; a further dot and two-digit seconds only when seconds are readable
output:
3.10
